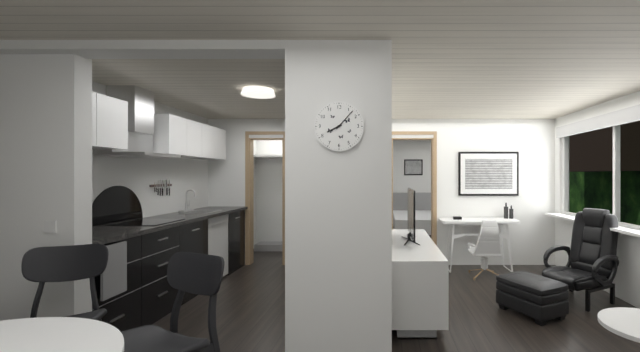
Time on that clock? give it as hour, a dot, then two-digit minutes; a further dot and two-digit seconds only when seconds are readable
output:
8.07
